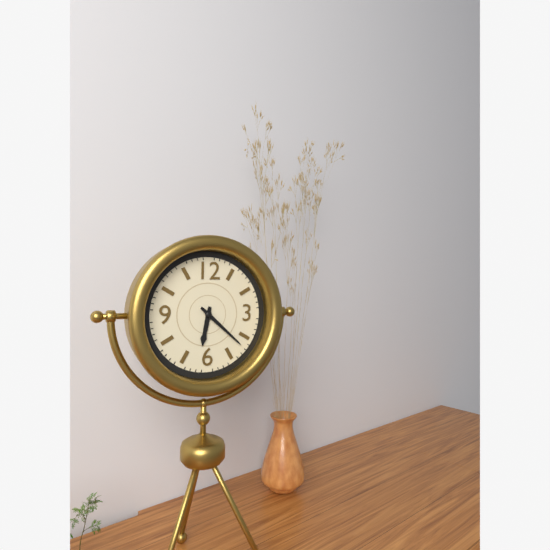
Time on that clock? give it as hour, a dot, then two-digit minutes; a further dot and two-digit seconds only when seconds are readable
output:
6.22
